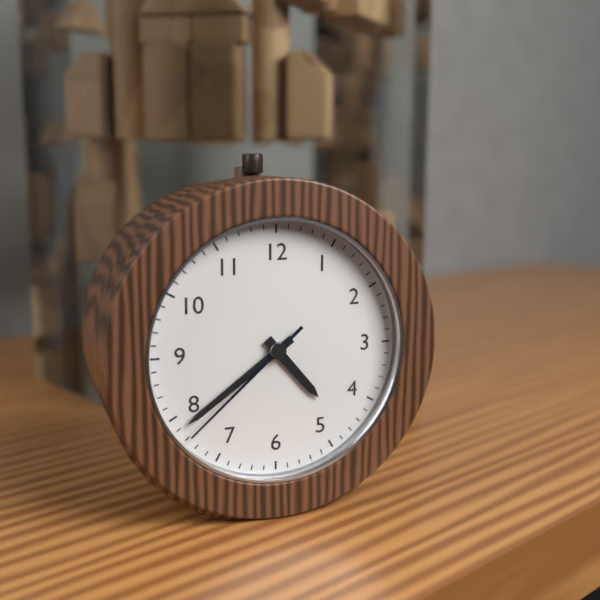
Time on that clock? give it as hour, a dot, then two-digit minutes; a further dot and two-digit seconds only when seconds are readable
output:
4.39.38
